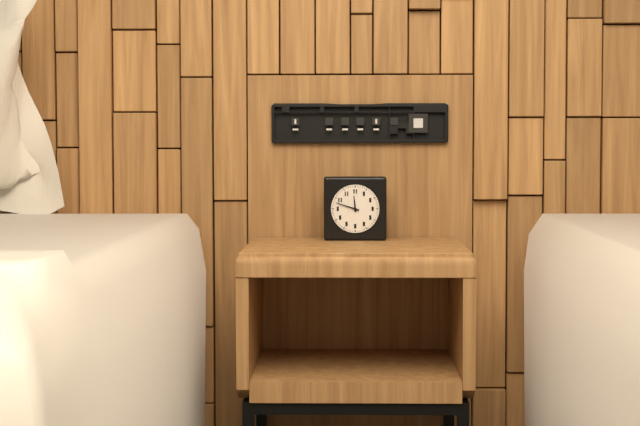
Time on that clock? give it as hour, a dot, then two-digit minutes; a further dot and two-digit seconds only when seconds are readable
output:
11.48
